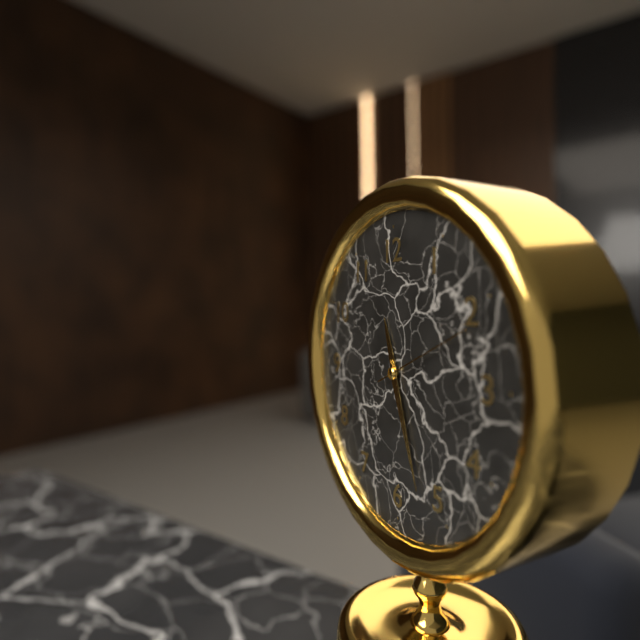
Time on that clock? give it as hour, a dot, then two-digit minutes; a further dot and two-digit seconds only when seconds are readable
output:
11.27.11
